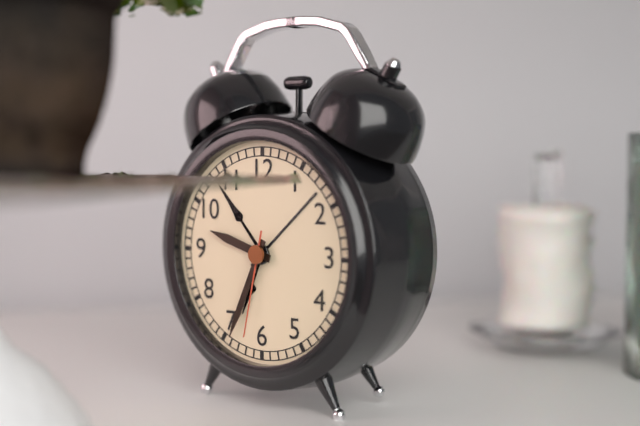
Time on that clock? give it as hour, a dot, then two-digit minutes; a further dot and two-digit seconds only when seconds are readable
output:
9.34.32
